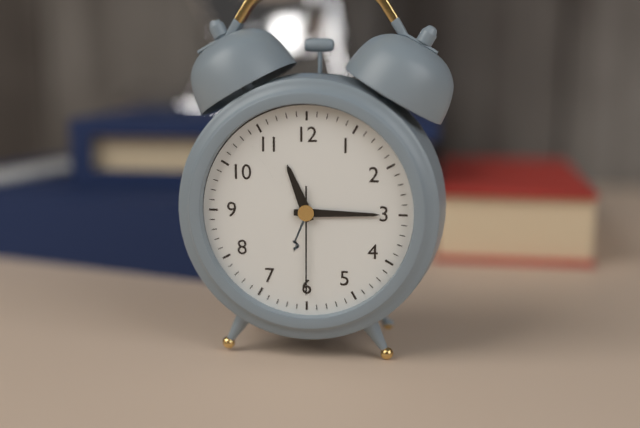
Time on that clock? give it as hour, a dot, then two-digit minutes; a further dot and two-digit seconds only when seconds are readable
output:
11.15.30
